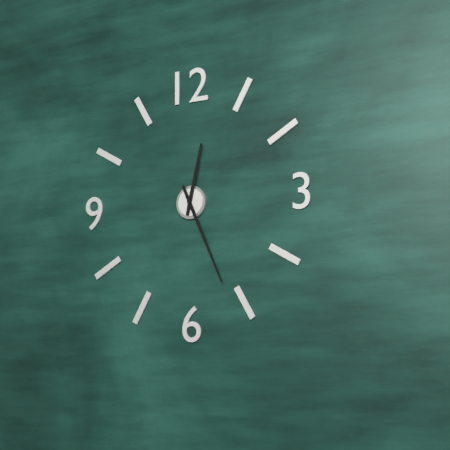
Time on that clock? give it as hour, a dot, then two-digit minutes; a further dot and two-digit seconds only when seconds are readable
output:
12.26
